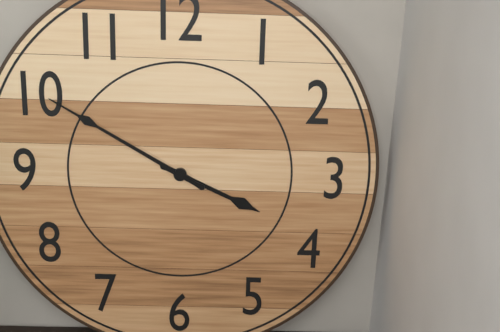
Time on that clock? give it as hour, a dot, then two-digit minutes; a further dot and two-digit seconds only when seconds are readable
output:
3.50
